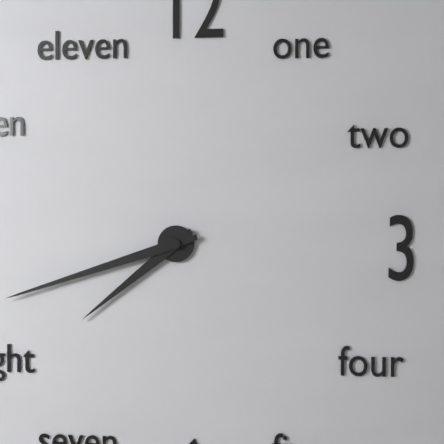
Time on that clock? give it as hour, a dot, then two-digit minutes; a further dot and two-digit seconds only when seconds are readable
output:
7.42
